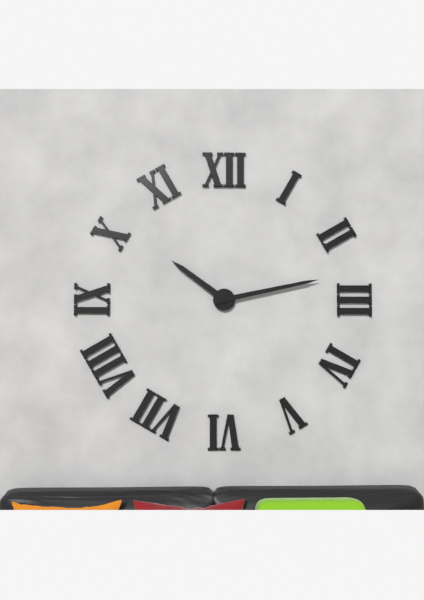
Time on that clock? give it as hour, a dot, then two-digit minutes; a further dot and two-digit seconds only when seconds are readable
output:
10.13
